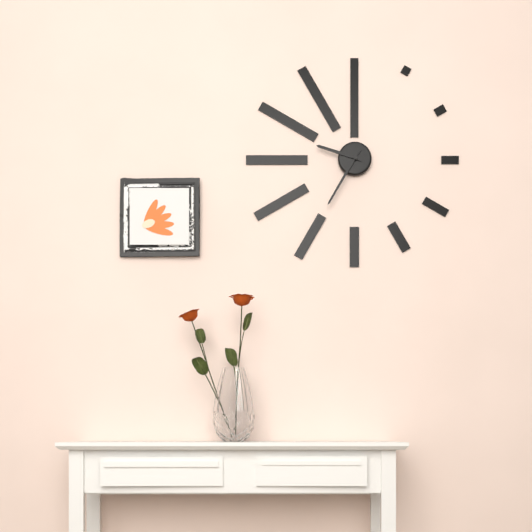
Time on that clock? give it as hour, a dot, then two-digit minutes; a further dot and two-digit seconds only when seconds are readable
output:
9.35
